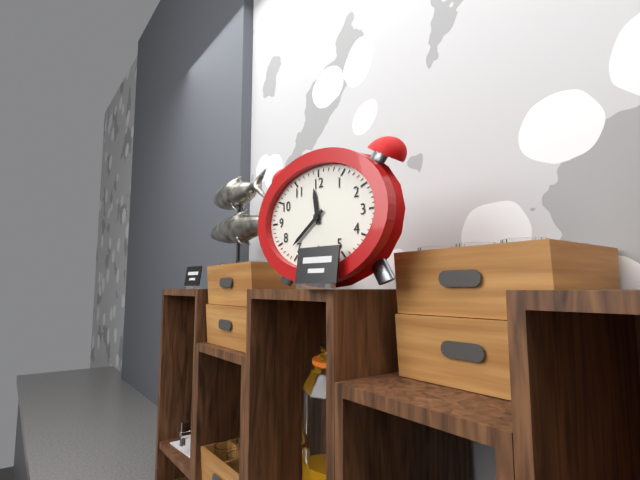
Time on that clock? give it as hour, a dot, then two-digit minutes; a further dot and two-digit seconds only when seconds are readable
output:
11.39
